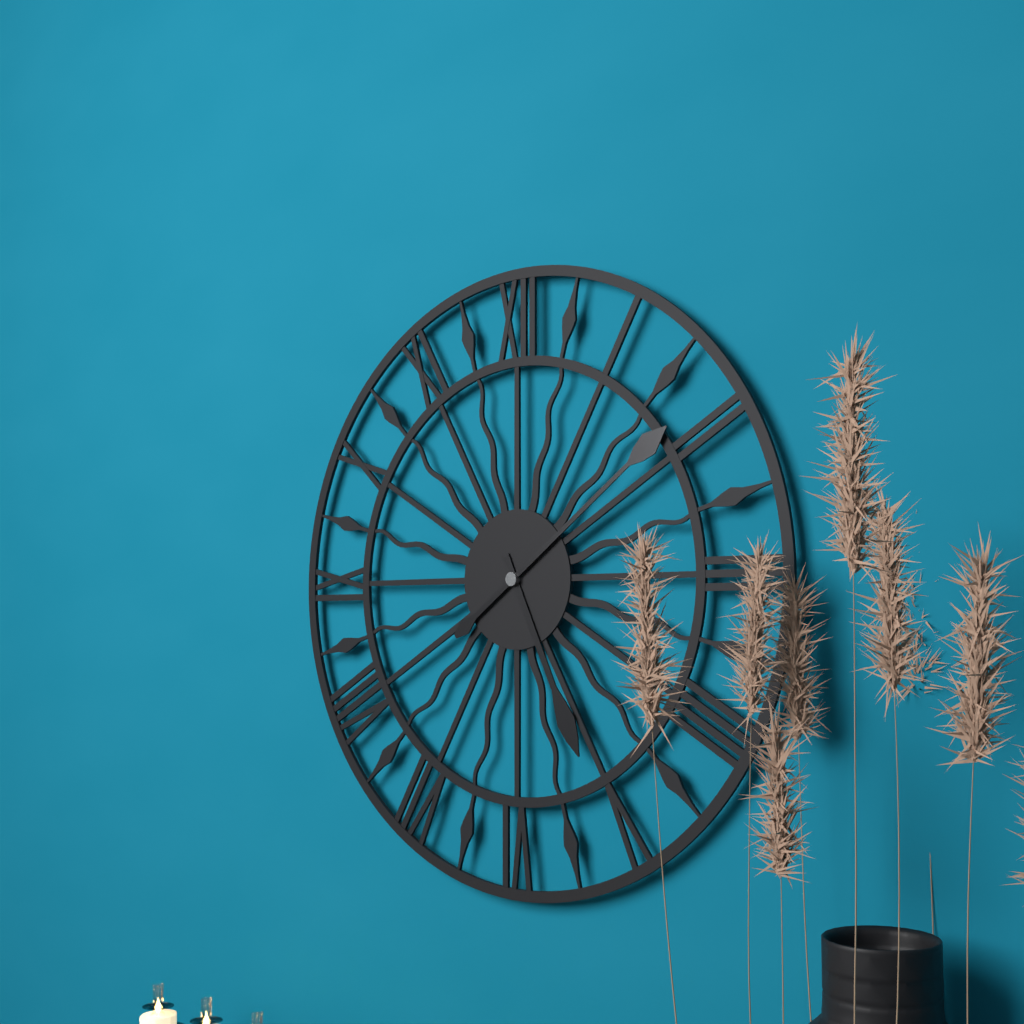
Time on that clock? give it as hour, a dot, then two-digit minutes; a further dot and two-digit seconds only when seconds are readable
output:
5.09
